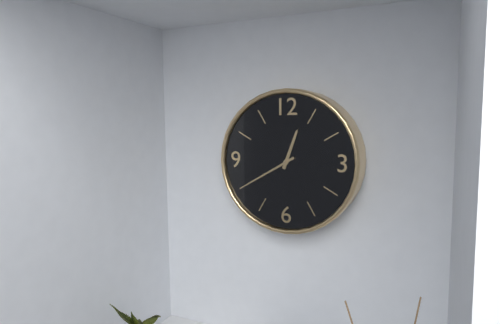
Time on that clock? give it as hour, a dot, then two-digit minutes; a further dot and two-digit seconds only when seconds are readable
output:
12.40
